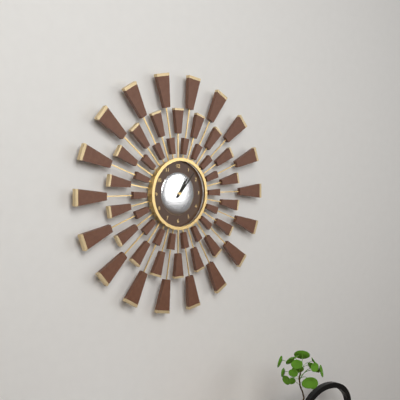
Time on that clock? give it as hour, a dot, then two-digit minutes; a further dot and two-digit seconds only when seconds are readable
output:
1.07
